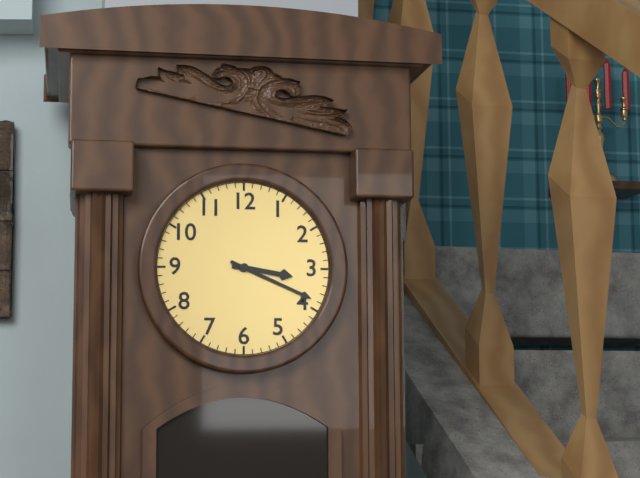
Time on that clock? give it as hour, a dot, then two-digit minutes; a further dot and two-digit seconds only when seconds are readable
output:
3.19
